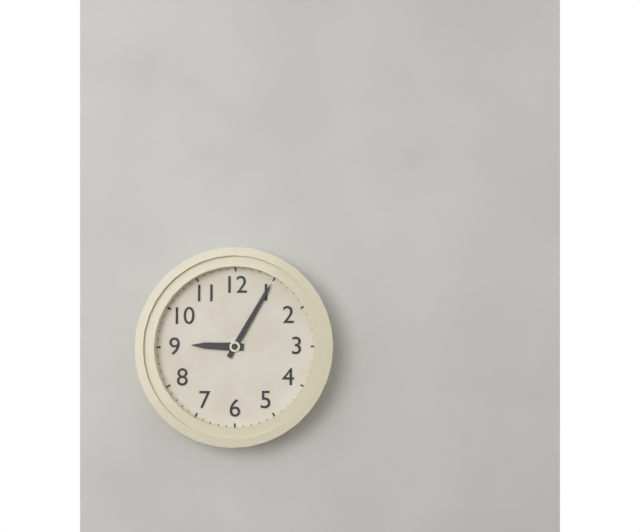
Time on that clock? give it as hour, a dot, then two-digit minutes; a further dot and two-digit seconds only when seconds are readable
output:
9.05
